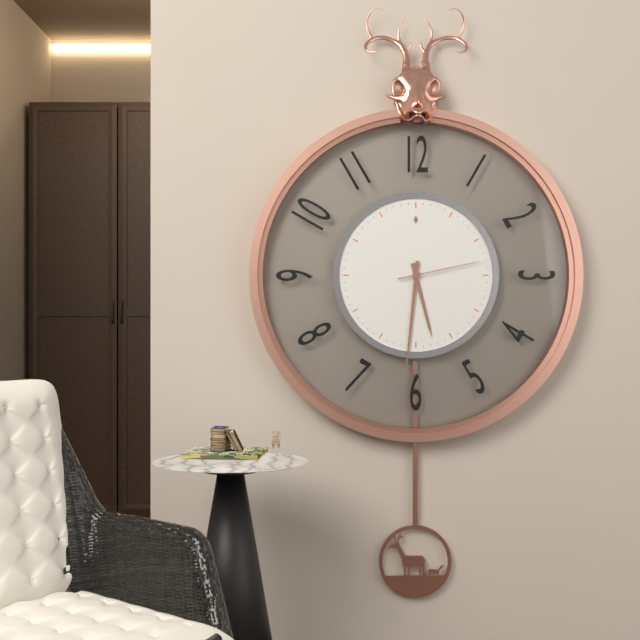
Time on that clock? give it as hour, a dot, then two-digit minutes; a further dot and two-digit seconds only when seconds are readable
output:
5.31.13
